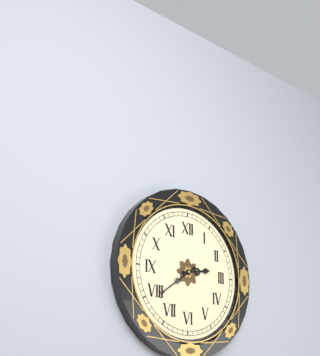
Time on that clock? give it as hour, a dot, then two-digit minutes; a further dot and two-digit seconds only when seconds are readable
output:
2.39
